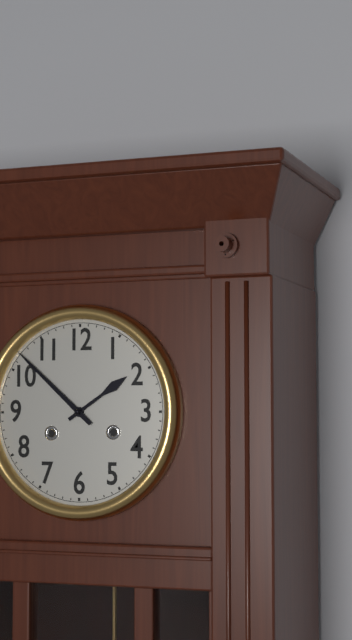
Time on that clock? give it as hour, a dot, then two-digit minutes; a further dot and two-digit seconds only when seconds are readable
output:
1.52
